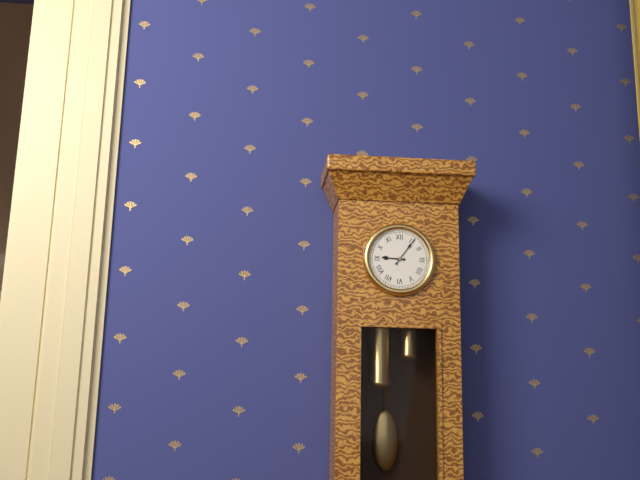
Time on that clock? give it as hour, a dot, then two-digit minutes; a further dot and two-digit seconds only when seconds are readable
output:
9.06
